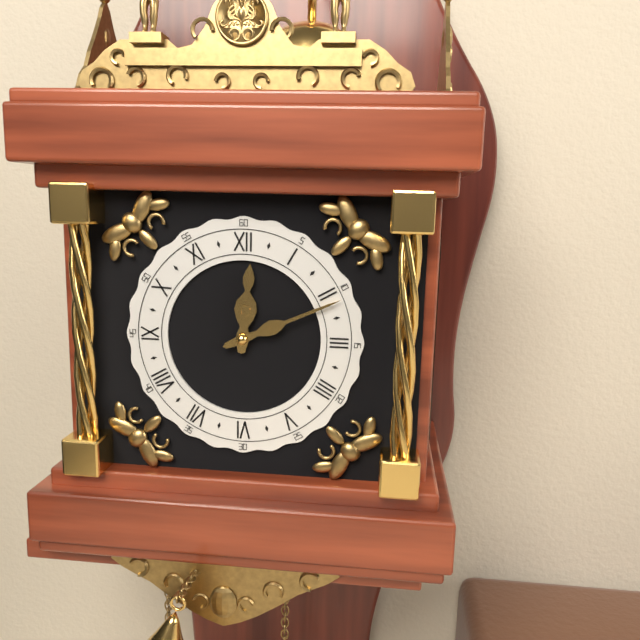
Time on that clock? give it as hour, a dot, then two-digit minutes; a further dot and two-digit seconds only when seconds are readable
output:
12.11
